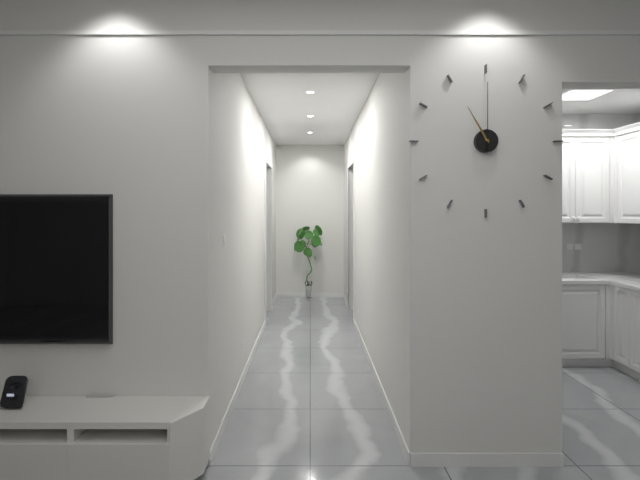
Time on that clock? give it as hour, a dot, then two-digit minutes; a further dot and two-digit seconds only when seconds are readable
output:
11.00
